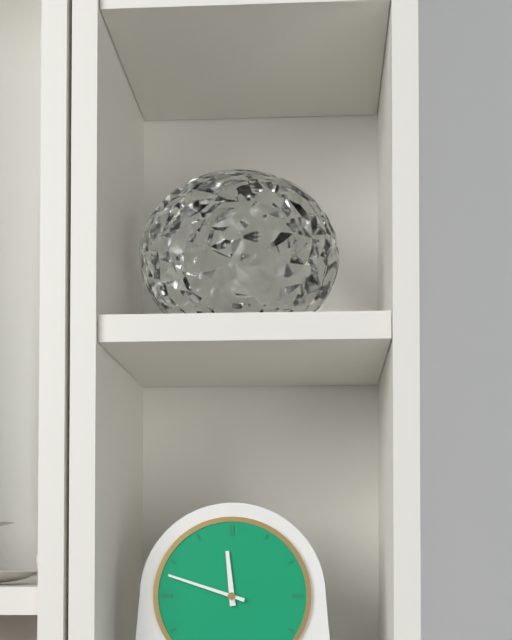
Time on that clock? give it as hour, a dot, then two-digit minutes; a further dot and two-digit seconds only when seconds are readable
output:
11.48
